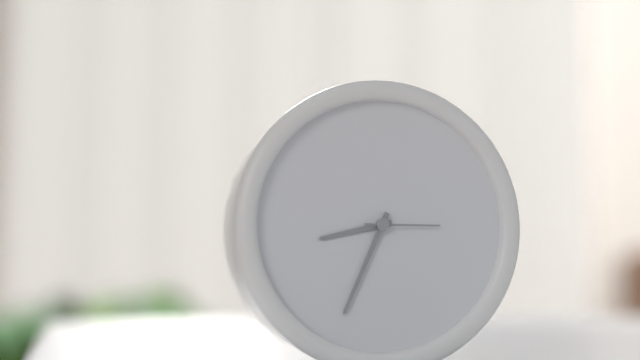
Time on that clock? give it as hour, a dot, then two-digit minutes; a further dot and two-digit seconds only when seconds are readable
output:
8.34.15
